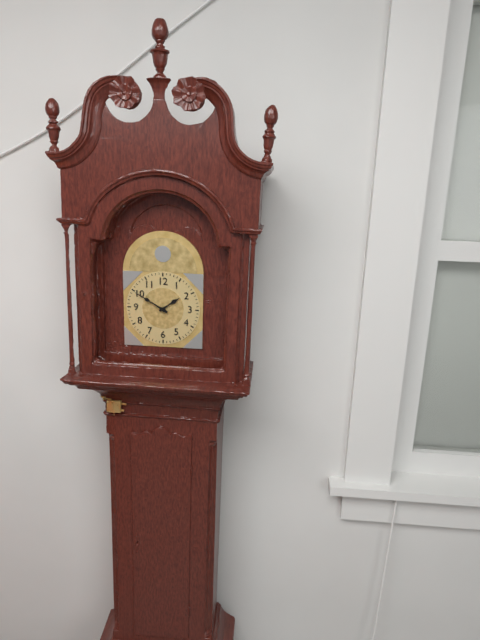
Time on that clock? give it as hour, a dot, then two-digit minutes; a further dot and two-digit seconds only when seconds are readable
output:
1.50
